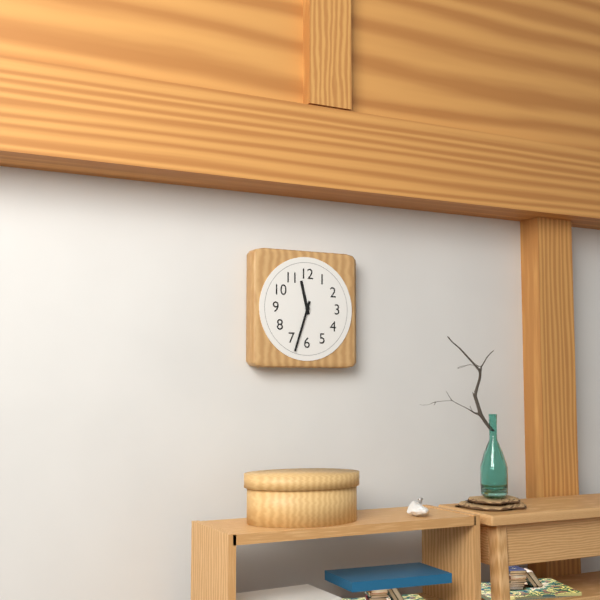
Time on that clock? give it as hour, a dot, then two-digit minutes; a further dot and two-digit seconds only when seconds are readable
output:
11.33
